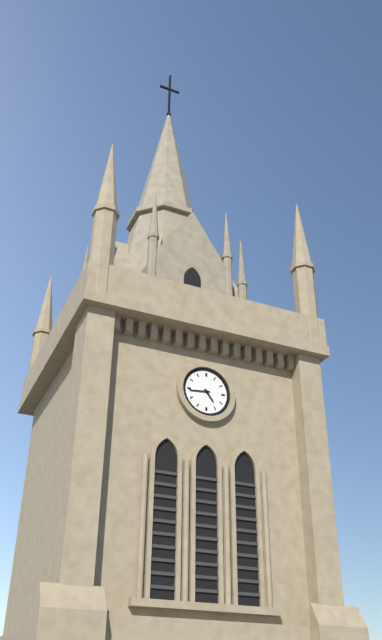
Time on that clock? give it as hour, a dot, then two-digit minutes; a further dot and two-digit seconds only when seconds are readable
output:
4.44
